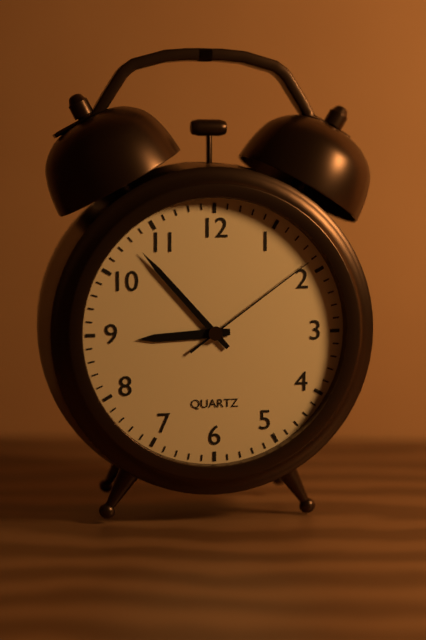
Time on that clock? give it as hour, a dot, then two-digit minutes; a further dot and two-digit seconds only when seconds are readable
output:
8.53.09
